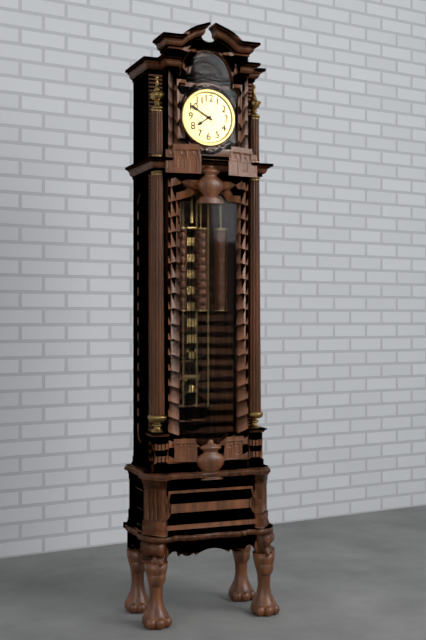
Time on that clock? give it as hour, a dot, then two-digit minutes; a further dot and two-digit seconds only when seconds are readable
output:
7.50
